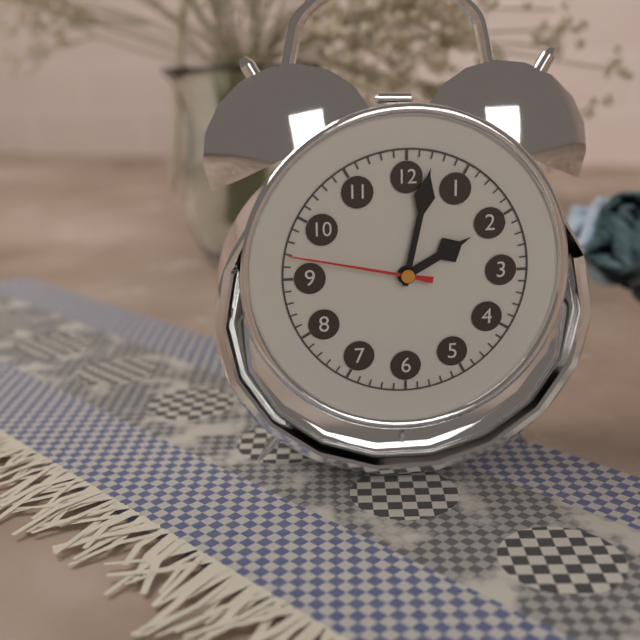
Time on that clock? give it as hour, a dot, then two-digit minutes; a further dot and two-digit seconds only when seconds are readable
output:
2.02.47
